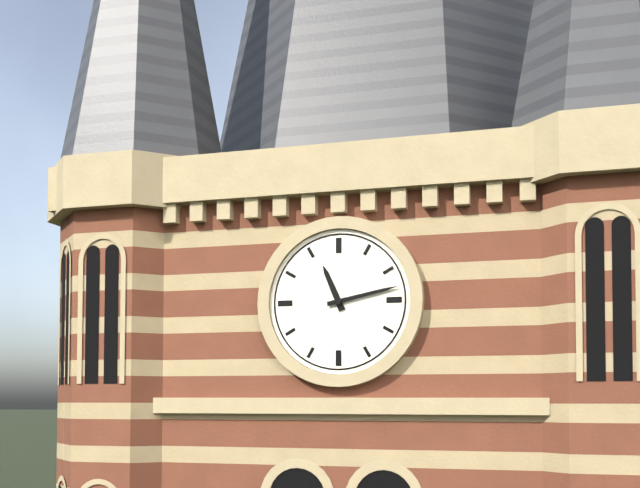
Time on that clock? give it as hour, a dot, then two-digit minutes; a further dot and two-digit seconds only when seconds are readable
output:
11.13
